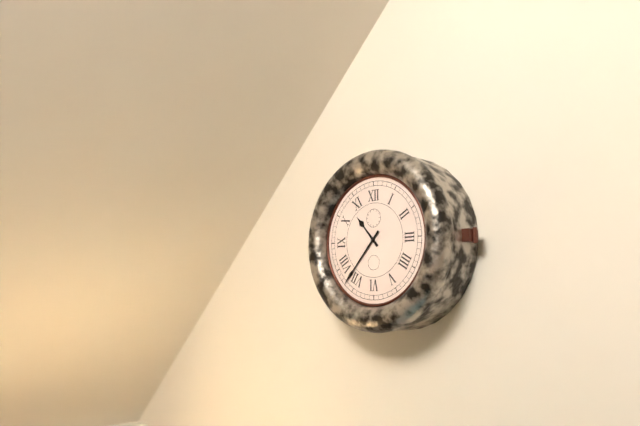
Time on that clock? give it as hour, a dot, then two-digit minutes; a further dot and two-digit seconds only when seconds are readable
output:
10.37
